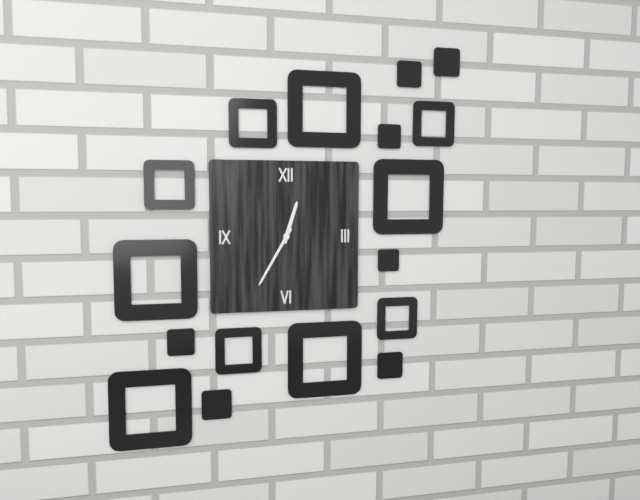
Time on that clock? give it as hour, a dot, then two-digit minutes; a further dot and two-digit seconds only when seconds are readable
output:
12.35
